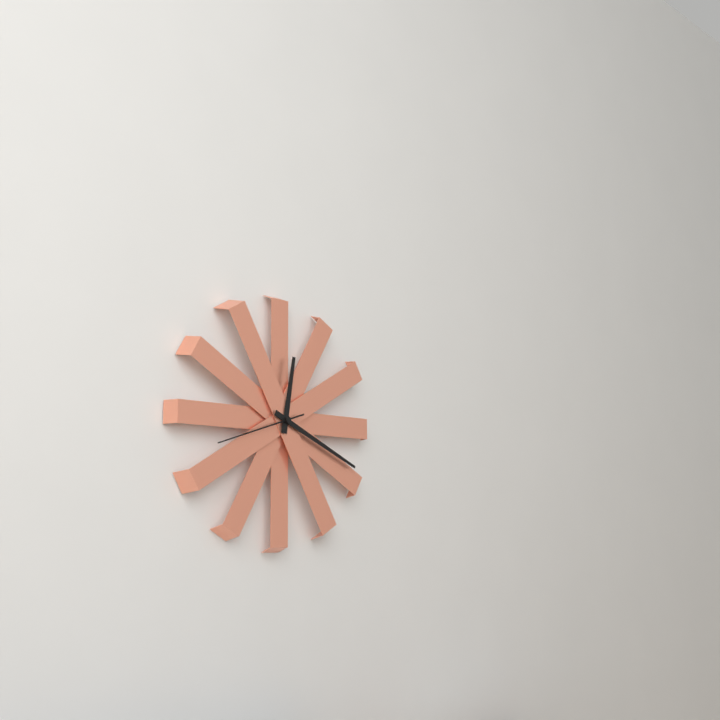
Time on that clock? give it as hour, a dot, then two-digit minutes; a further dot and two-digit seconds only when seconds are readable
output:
12.19.42
